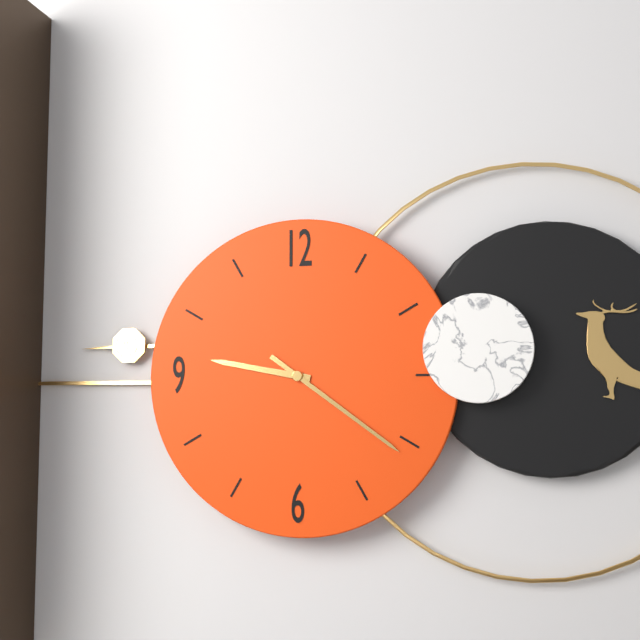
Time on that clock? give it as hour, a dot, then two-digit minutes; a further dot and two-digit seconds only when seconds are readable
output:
9.21
